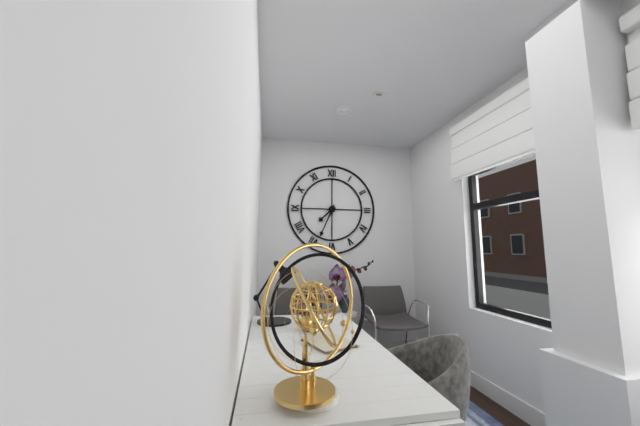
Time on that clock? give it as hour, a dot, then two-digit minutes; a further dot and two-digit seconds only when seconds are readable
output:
7.34
